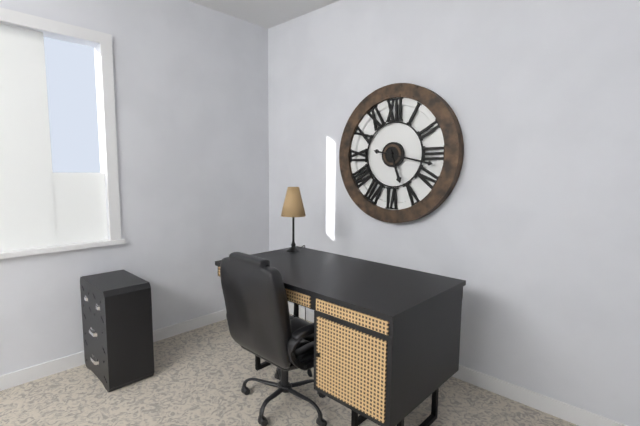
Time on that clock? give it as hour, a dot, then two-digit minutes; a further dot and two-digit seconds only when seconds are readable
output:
5.17
